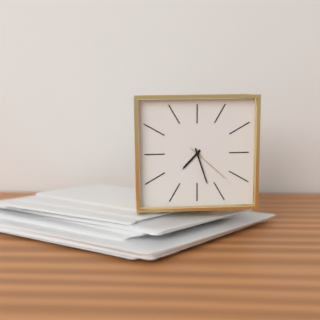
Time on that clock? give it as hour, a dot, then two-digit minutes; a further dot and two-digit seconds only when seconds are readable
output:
7.27
